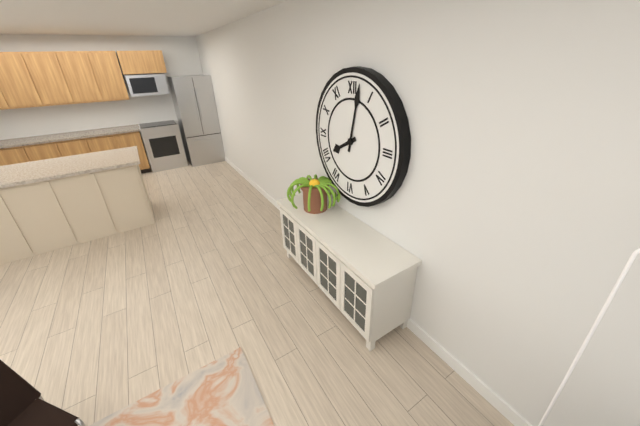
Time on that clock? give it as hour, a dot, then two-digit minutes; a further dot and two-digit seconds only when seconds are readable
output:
8.02
